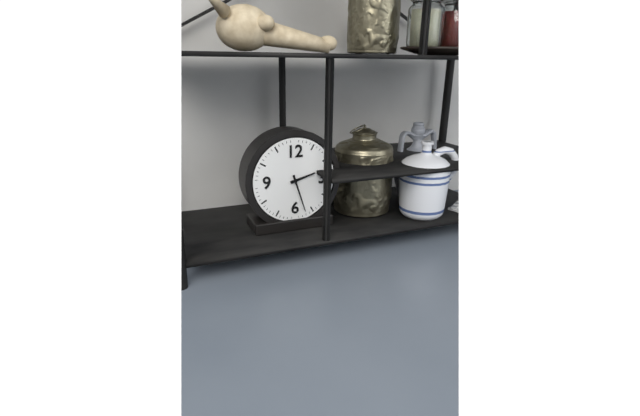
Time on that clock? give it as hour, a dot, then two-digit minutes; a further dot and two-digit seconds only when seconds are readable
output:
2.27
